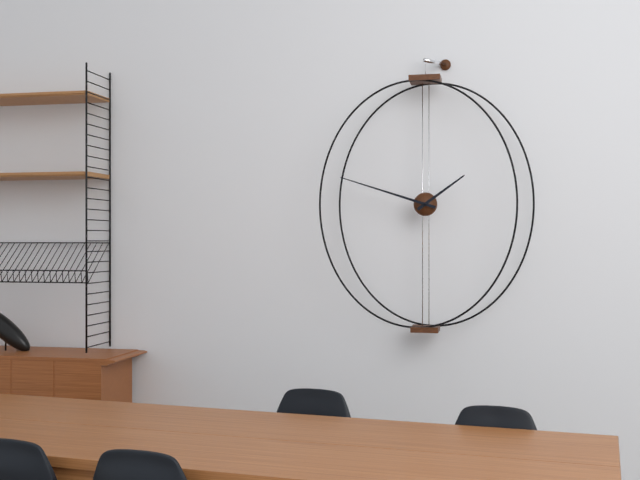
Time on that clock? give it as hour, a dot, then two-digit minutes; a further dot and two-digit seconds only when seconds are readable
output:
1.48
